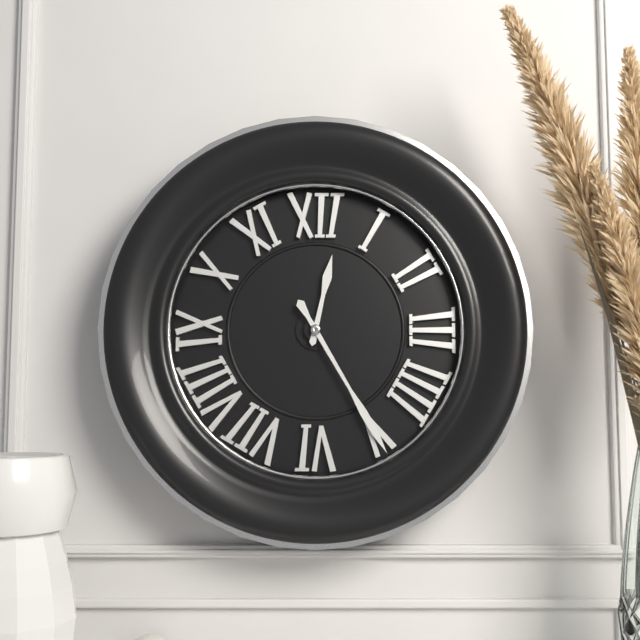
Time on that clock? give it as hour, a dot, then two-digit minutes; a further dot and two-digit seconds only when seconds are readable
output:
12.25
